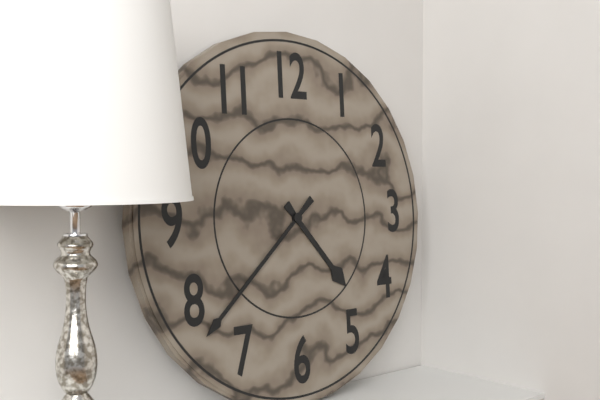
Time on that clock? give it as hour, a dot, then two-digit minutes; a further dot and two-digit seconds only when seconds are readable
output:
4.38
